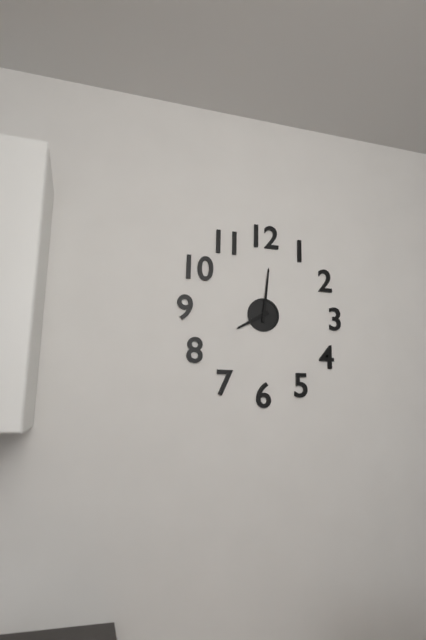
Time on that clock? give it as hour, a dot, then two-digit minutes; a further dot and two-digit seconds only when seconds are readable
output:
8.01
